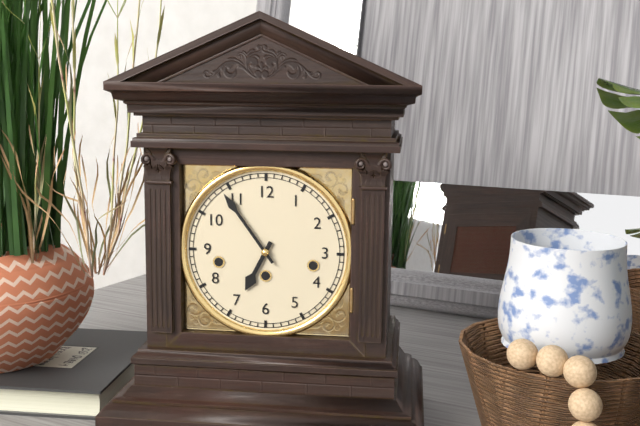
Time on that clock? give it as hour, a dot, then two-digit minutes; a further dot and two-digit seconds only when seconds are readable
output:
6.54
